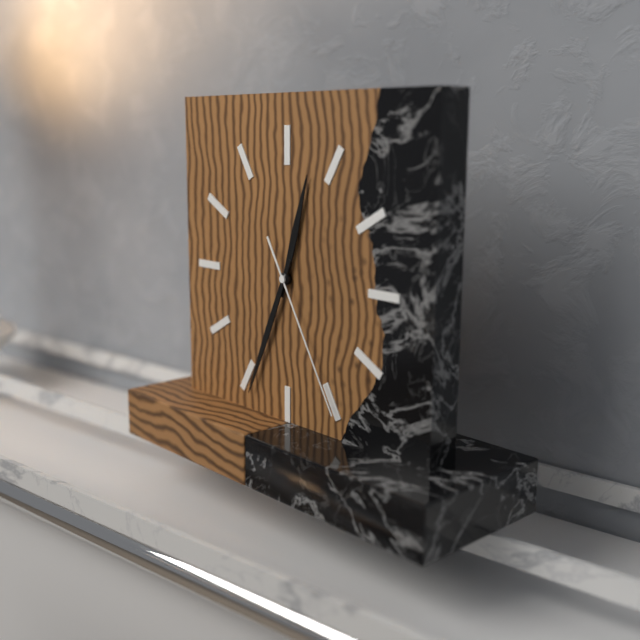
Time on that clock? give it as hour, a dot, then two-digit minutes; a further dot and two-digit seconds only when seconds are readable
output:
12.34.25
